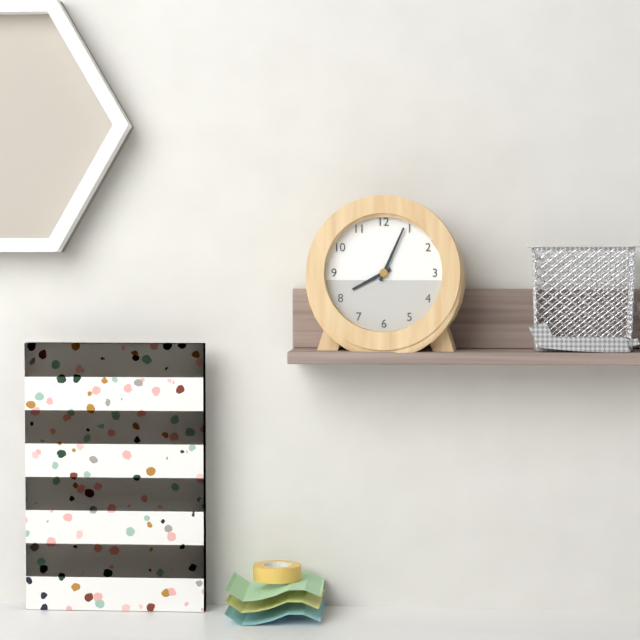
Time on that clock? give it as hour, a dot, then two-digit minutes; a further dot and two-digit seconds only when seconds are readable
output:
8.04
